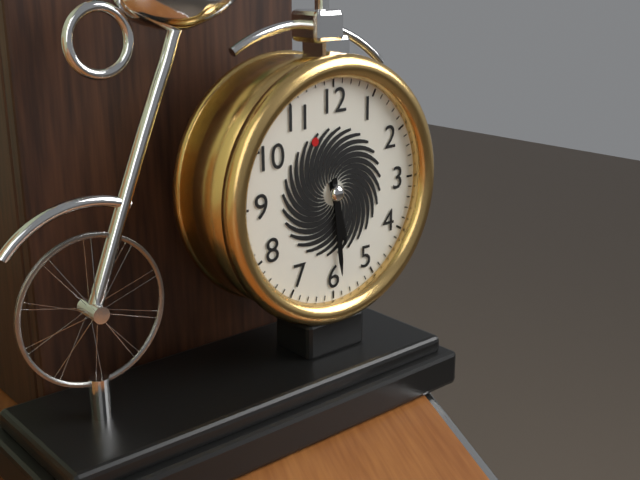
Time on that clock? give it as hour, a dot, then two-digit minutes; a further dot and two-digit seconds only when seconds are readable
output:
5.29
